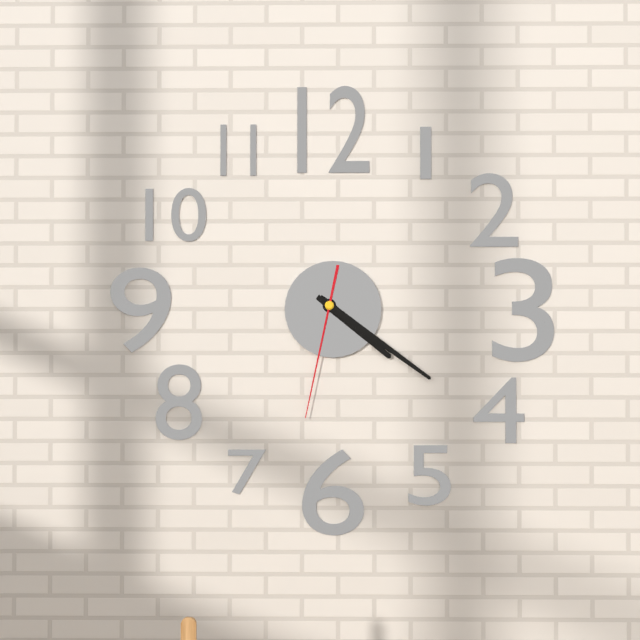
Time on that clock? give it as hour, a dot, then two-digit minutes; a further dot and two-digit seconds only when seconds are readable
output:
4.21.32
